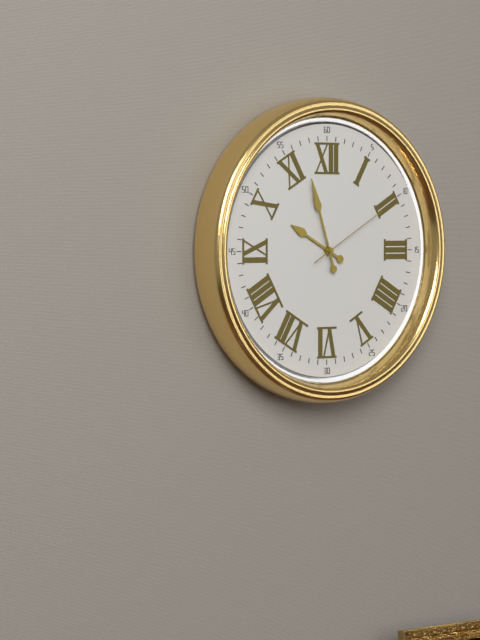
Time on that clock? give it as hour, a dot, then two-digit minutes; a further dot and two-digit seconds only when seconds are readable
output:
9.57.10
